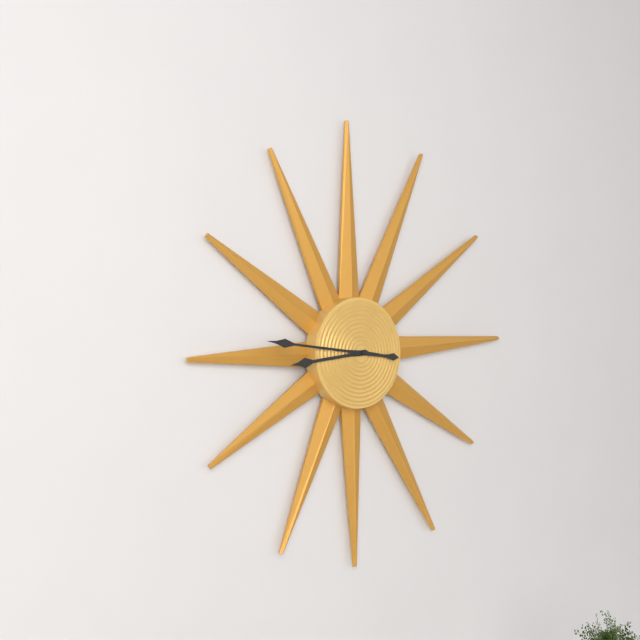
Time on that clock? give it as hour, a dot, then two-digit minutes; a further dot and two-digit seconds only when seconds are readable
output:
8.46
